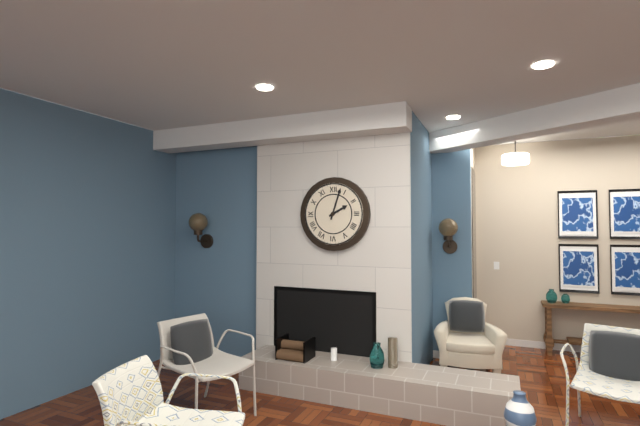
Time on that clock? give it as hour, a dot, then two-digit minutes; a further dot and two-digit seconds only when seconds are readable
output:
2.03
